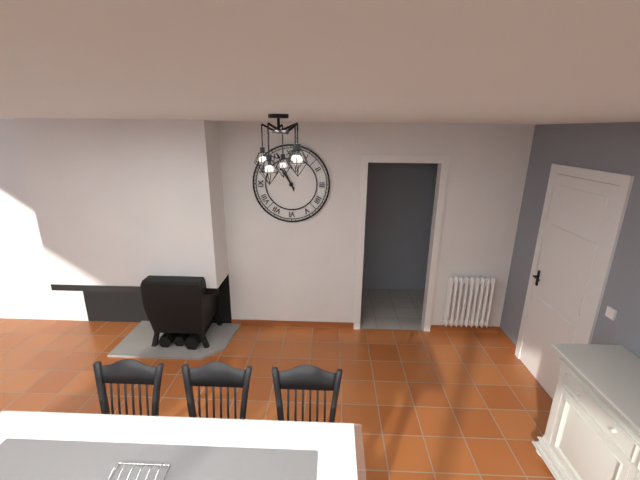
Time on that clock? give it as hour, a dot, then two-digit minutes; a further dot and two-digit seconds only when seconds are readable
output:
10.56
